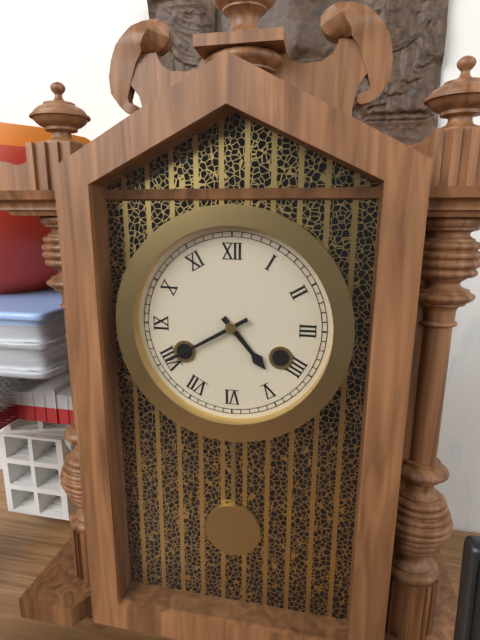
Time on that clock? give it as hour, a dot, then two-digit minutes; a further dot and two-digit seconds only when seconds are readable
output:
4.40
